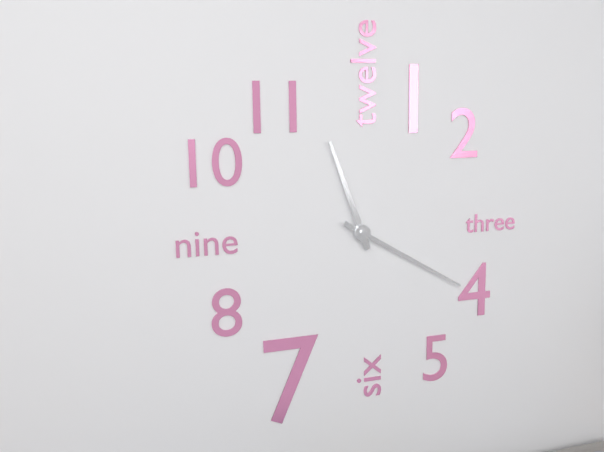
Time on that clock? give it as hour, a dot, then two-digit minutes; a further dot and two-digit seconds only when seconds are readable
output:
11.20
